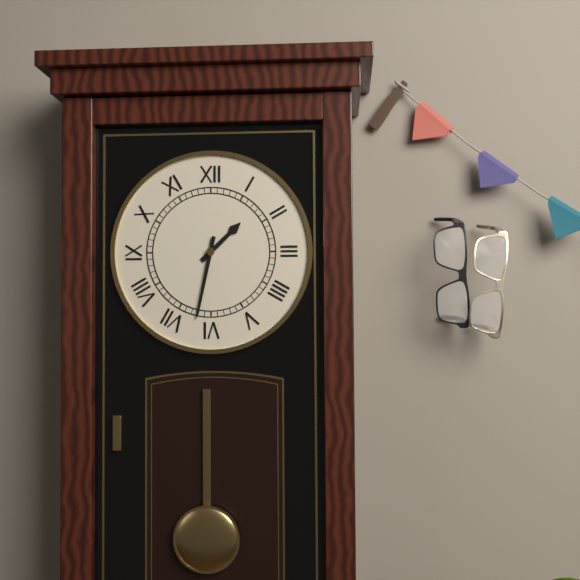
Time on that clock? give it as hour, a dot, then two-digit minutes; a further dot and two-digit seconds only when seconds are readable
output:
1.32
